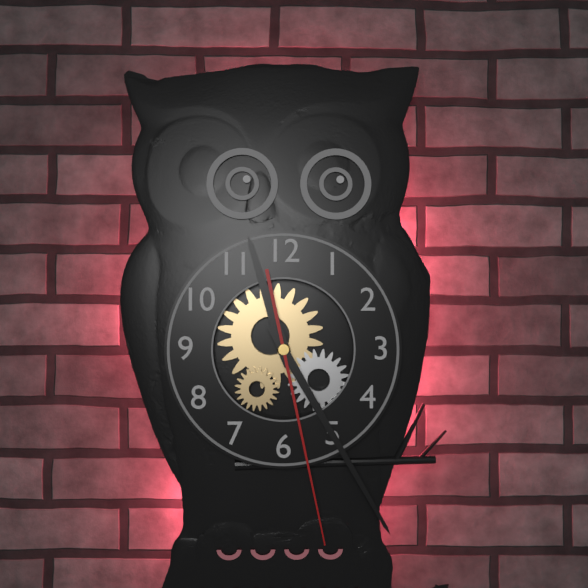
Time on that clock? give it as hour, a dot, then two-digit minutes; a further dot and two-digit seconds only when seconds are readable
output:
11.25.28
